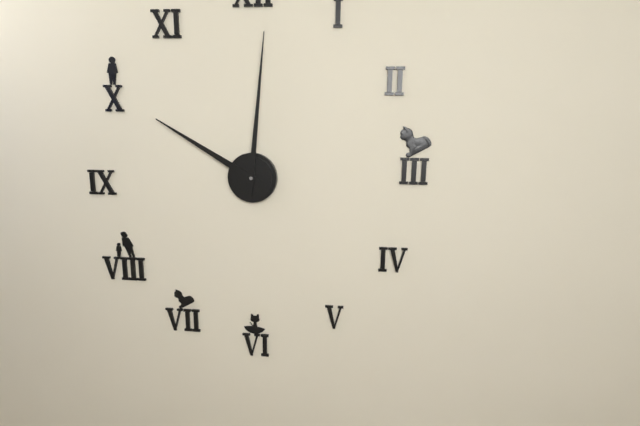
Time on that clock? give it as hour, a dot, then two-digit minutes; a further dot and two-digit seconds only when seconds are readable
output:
10.01
